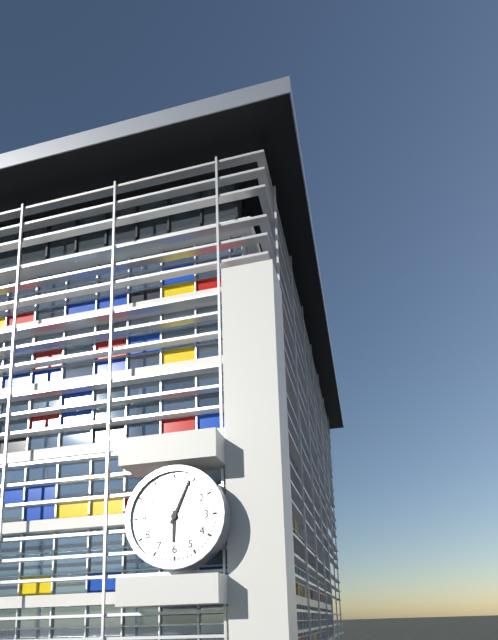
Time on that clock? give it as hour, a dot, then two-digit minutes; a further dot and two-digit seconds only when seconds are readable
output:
6.04
